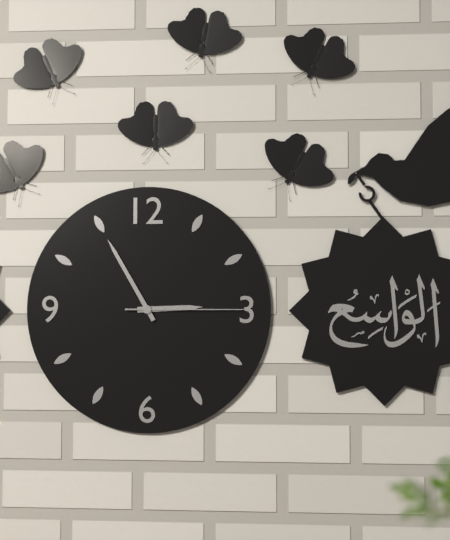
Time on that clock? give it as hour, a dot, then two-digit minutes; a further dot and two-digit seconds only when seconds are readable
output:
2.55.15
